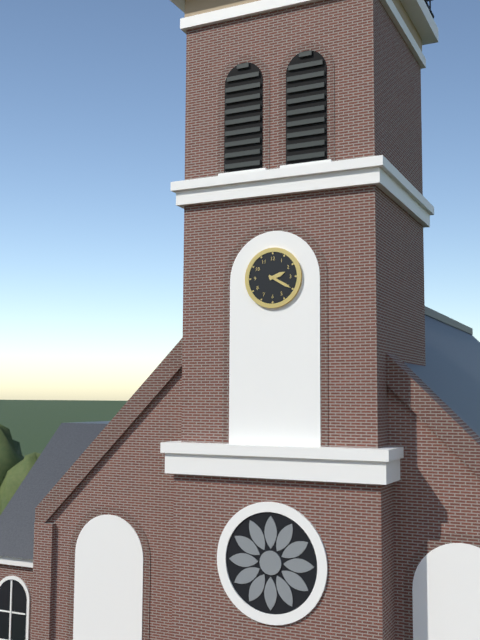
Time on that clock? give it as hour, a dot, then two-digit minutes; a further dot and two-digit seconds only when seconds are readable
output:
2.20
